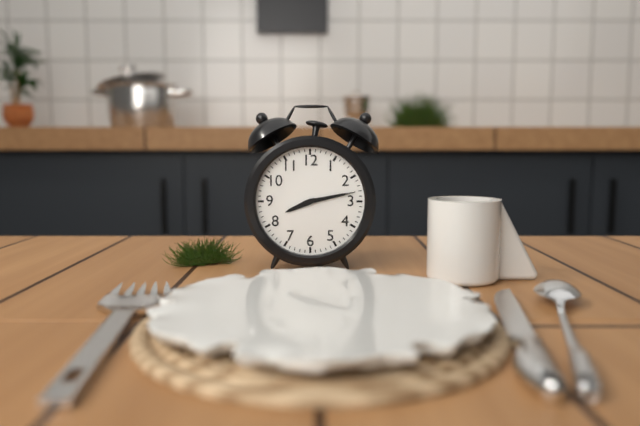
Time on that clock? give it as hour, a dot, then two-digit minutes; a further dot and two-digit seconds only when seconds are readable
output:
8.13.13
